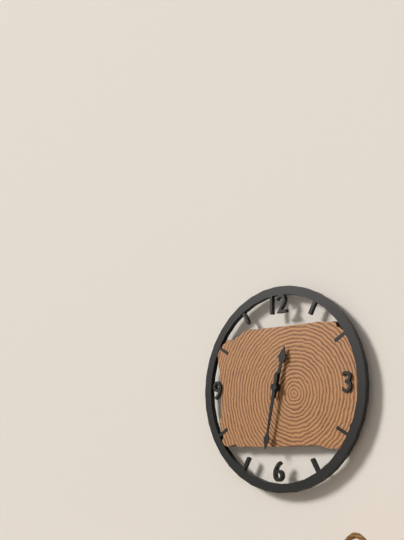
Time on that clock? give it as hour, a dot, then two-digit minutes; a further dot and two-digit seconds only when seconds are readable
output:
12.32
